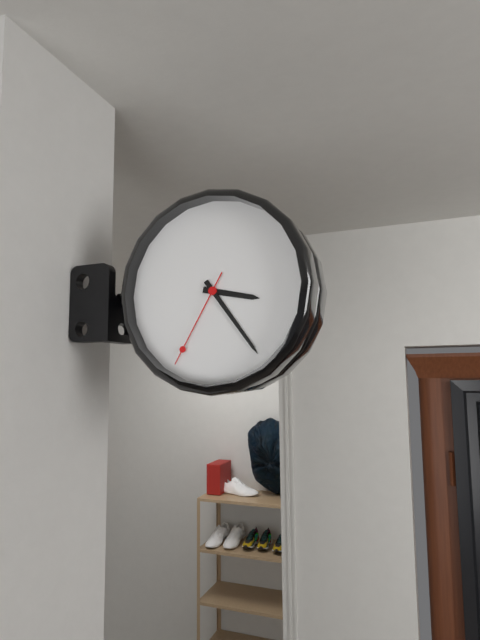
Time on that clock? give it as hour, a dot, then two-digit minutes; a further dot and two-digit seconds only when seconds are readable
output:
3.24.35
